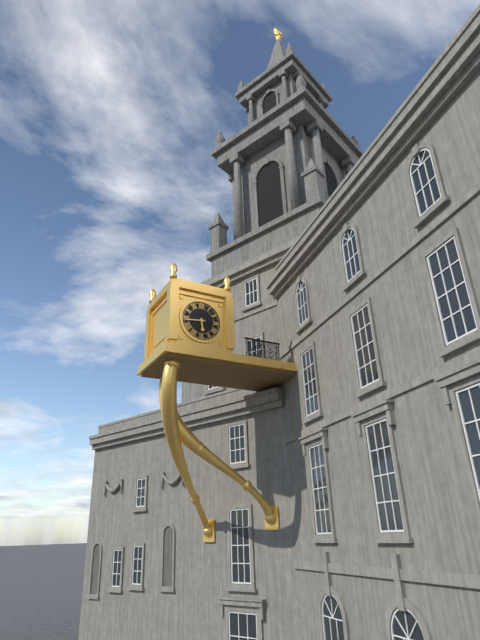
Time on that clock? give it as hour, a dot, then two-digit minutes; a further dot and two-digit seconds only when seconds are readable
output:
5.44
